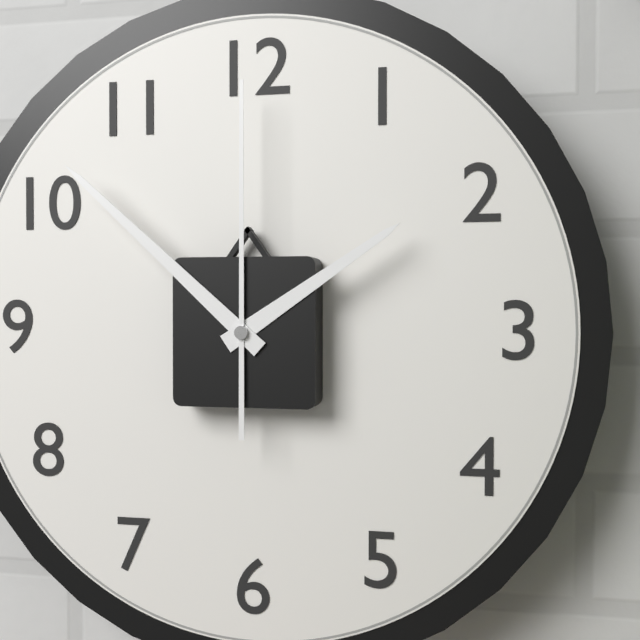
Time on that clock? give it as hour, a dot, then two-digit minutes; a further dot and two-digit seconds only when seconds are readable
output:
1.52.00
